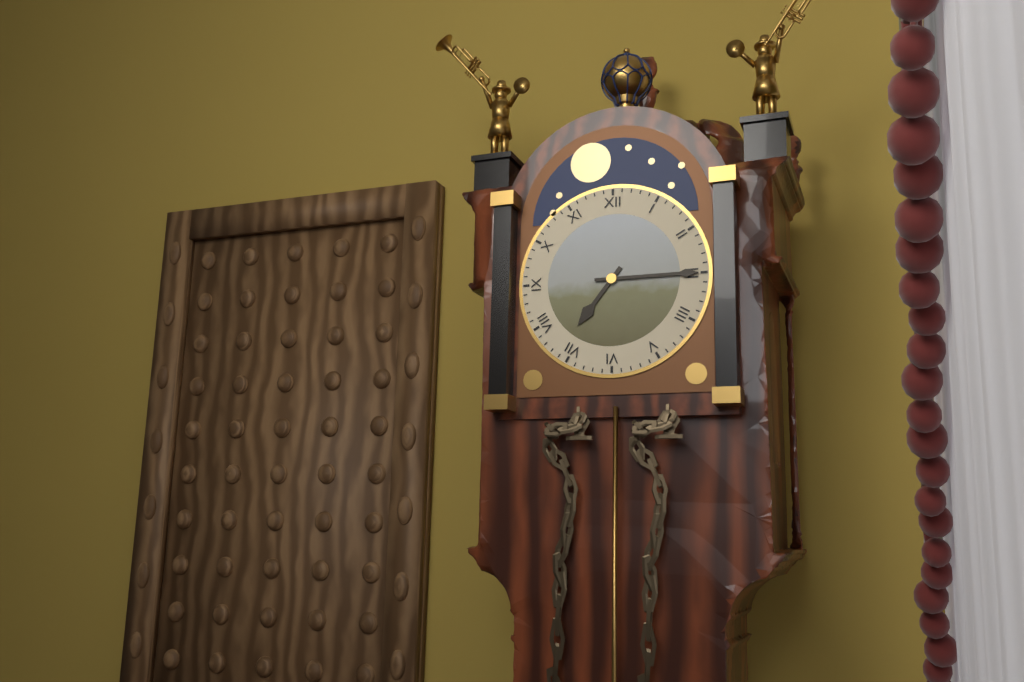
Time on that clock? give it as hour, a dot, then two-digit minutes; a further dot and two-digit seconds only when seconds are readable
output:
7.15
